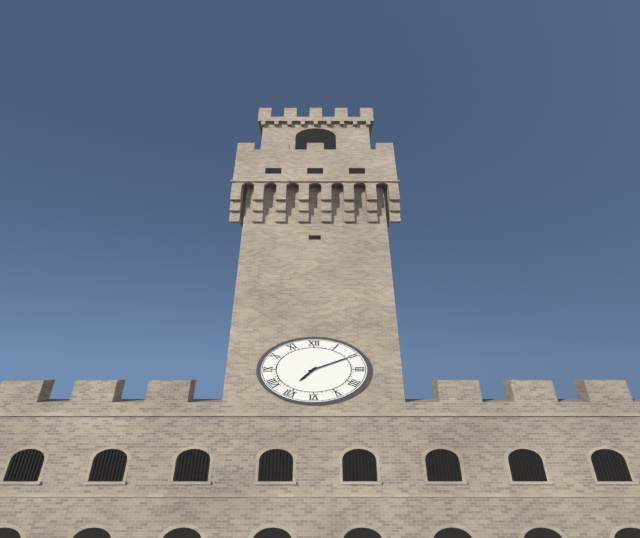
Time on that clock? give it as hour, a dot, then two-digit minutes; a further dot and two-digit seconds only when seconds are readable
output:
7.10
